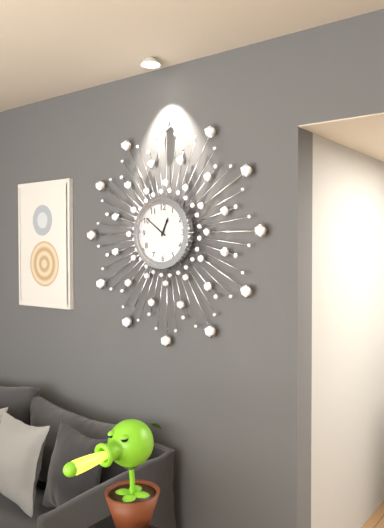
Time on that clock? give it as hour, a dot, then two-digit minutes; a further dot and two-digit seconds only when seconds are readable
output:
12.51
